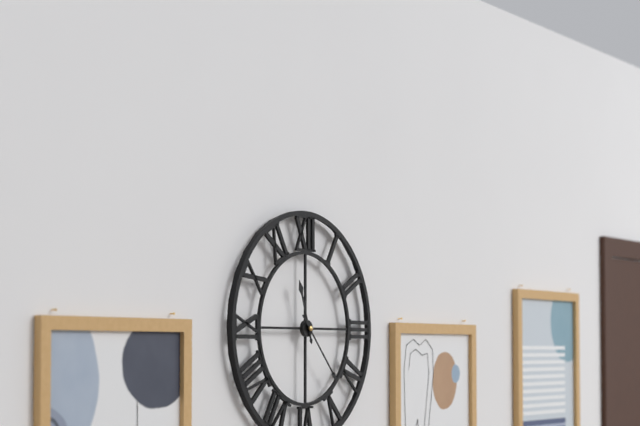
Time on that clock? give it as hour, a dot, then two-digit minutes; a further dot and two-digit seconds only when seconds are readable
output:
11.23
